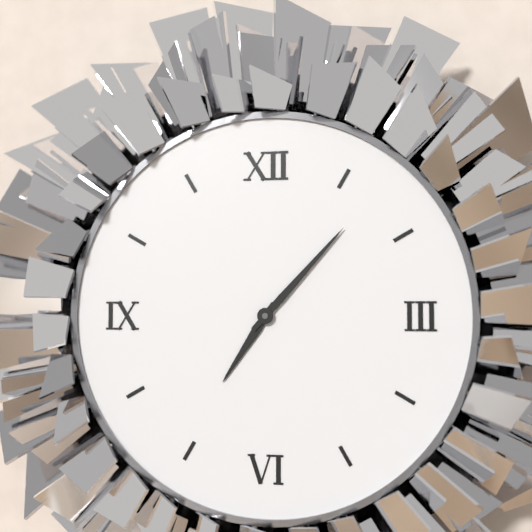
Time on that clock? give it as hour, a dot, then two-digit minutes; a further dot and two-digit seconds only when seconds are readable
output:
7.07
